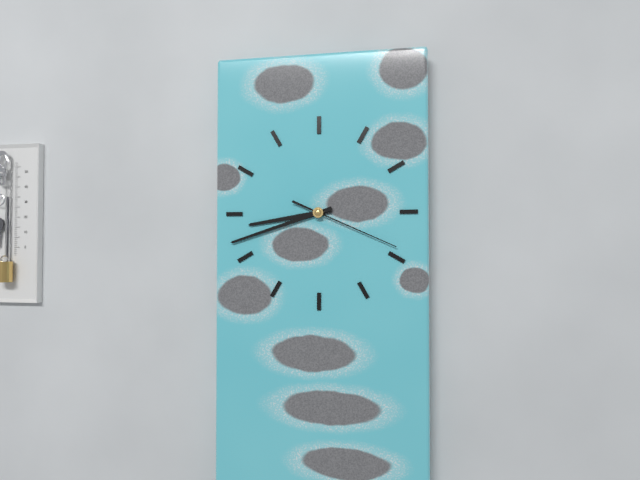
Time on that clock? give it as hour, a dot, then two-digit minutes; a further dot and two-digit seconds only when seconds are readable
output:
8.42.19
